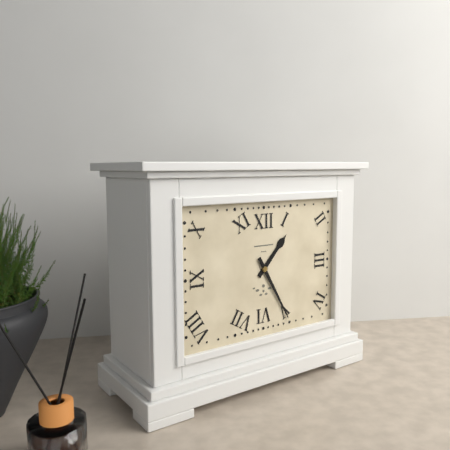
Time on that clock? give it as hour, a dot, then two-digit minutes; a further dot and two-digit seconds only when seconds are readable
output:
1.25
